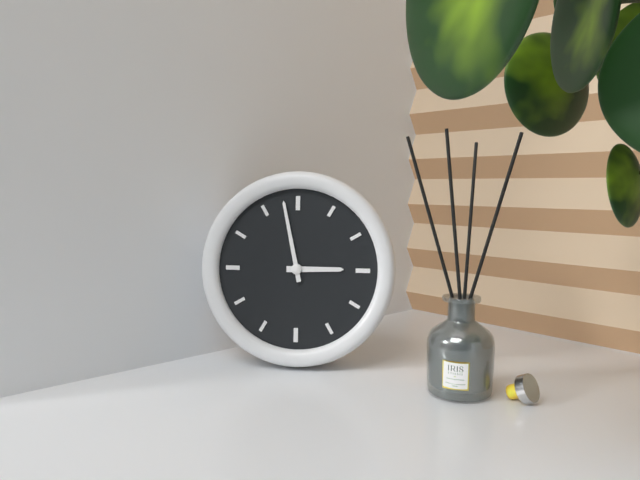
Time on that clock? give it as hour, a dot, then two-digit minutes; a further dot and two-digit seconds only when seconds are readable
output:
2.58
